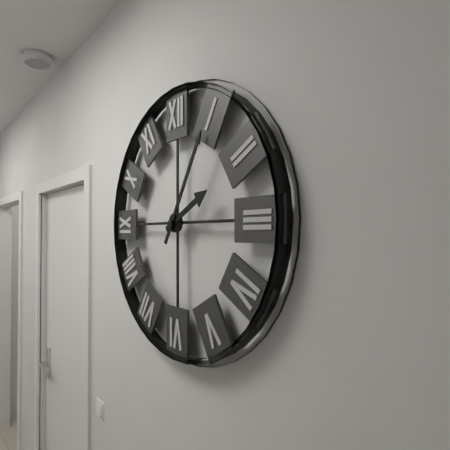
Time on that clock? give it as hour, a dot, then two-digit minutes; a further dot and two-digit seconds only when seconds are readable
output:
2.05
